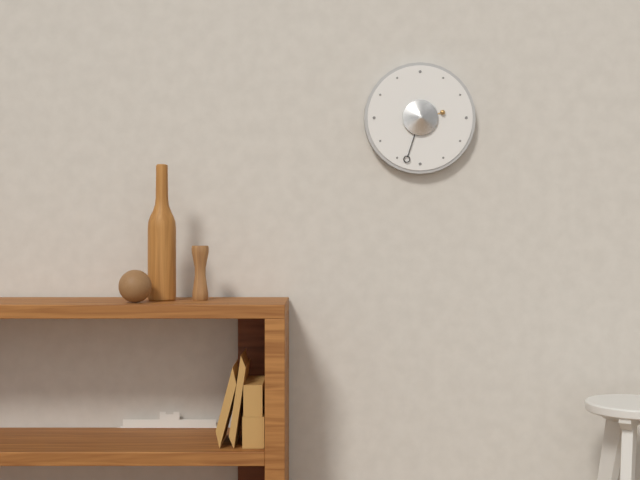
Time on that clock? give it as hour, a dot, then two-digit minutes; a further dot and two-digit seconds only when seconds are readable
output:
2.33
